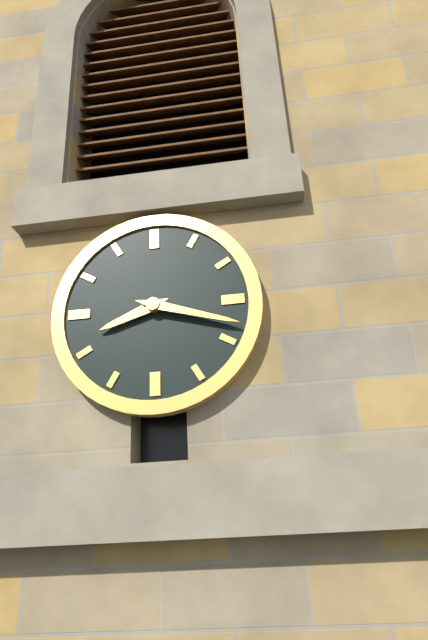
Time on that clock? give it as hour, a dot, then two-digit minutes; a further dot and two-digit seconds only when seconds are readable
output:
8.18
